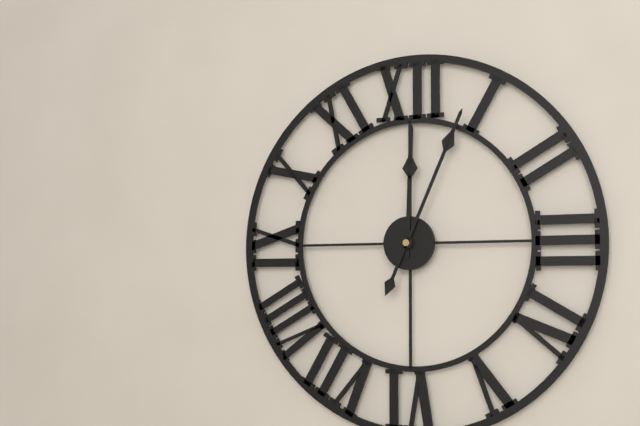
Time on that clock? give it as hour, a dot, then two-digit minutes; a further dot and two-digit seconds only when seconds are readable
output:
12.04
